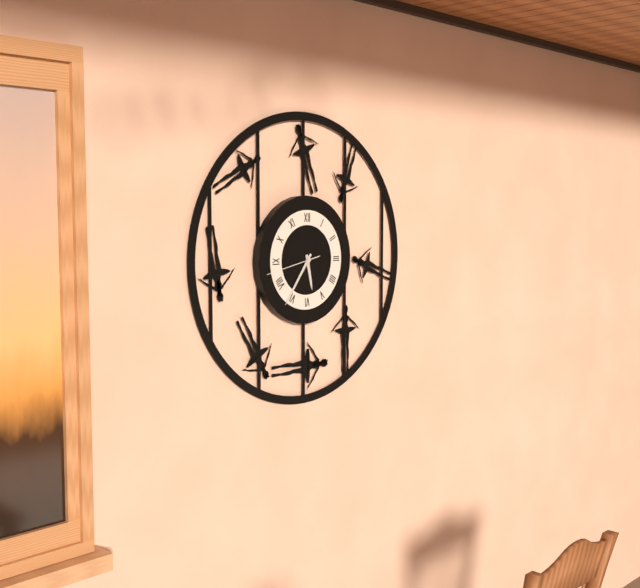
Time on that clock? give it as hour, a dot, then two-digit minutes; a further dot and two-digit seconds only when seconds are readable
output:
5.36.43
